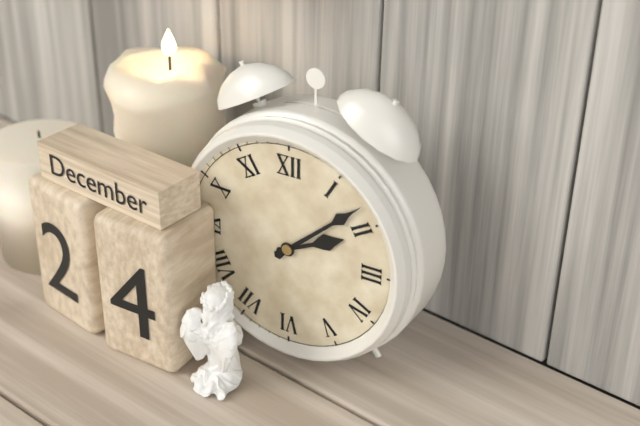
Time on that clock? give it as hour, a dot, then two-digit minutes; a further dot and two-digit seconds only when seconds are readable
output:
2.08
